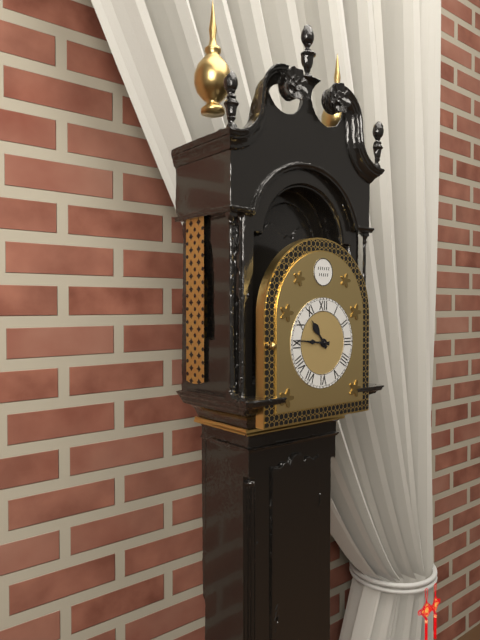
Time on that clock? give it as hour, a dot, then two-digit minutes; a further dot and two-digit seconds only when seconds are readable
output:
10.46
